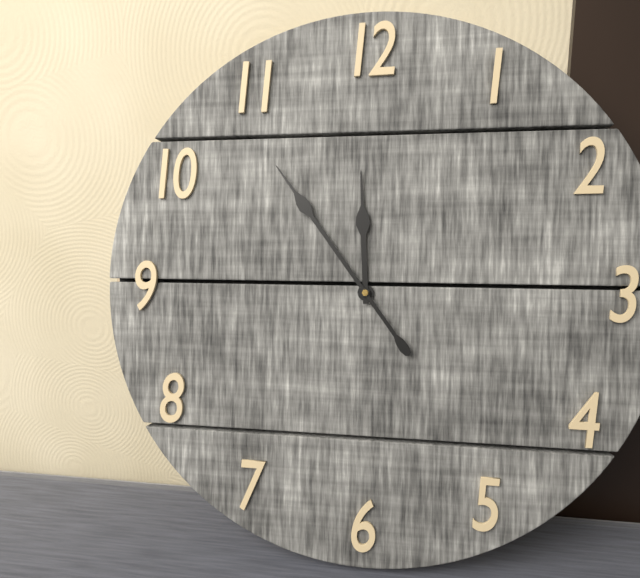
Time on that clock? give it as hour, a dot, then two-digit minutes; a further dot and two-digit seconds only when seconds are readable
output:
11.54
